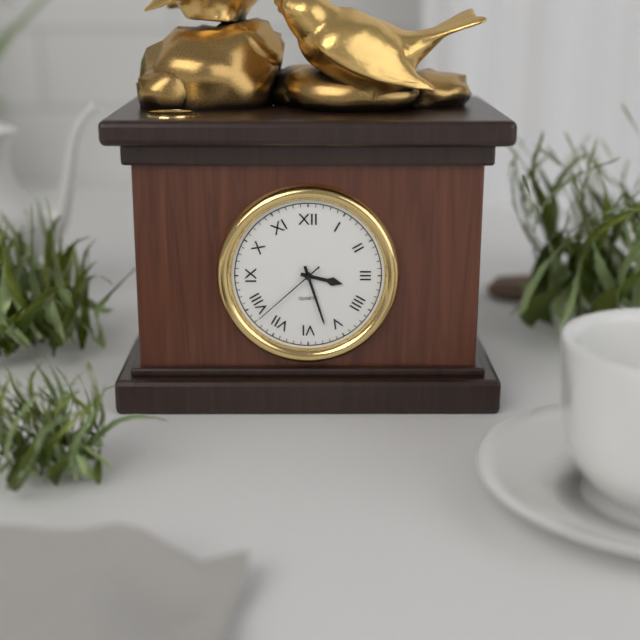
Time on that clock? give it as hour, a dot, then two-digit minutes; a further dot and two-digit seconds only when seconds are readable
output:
3.27.38
